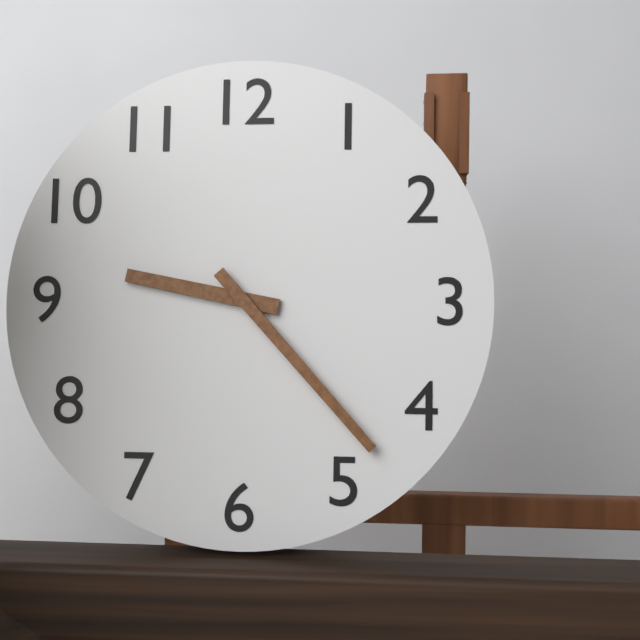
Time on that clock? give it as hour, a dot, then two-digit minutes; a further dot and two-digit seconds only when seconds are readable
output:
9.23
